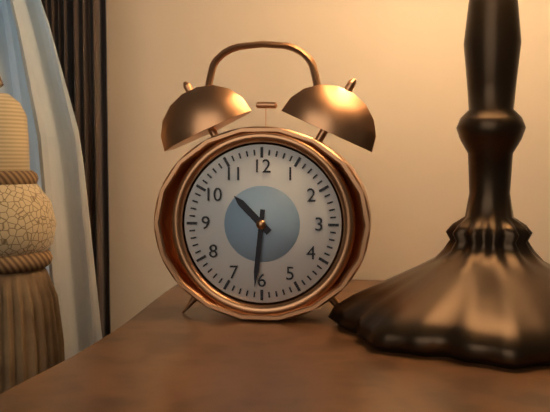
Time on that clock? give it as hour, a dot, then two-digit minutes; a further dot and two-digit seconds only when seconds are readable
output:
10.31
